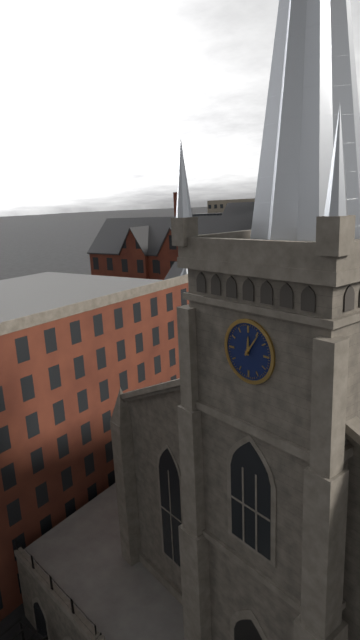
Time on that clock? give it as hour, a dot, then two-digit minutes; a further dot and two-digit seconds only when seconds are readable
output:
12.06
